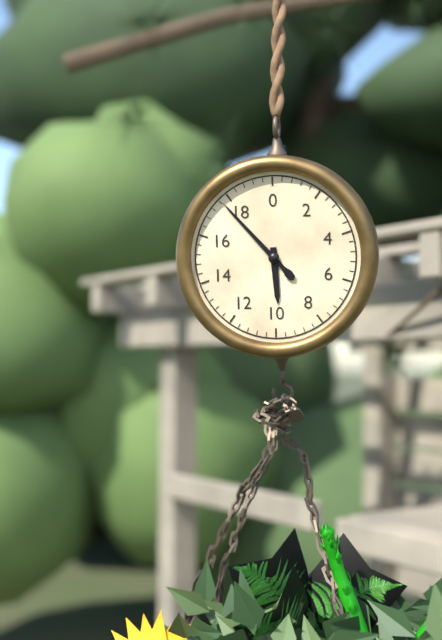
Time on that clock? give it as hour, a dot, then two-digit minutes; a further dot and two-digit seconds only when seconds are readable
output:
5.53
